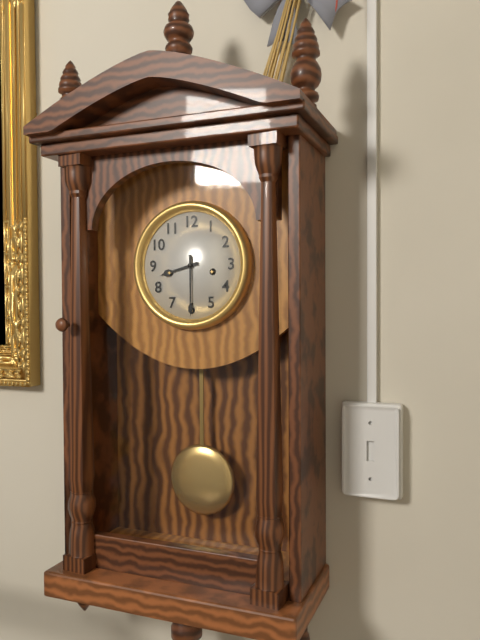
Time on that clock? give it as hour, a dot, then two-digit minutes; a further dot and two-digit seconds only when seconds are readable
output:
8.30
